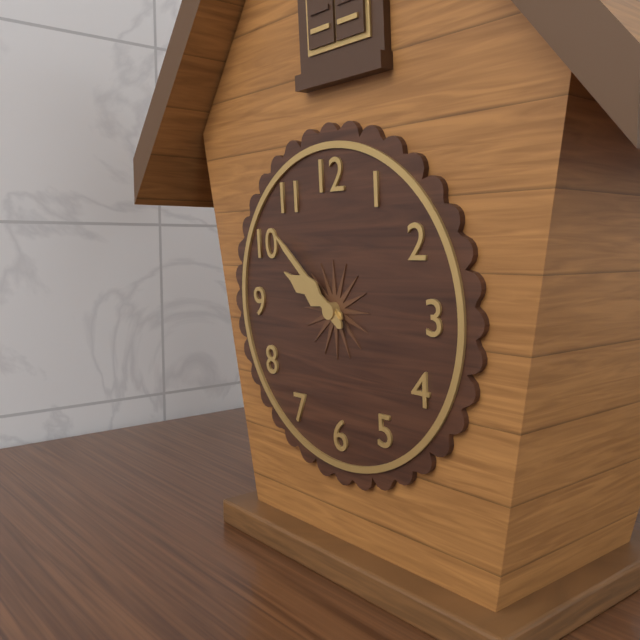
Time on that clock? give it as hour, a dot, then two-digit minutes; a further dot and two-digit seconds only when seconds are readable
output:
9.52
